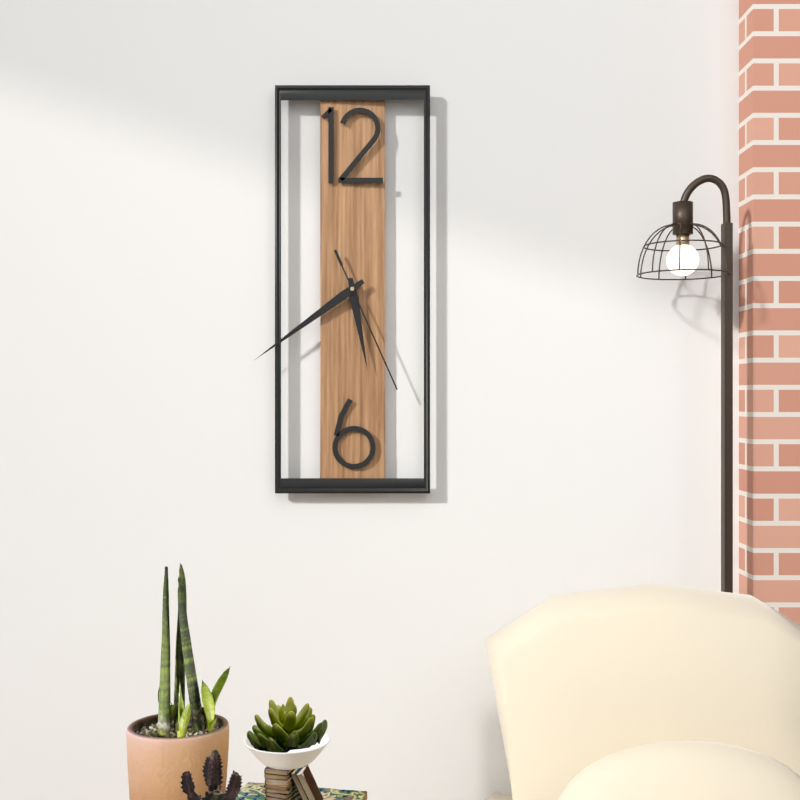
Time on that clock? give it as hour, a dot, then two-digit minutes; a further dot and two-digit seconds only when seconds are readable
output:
5.39.26
